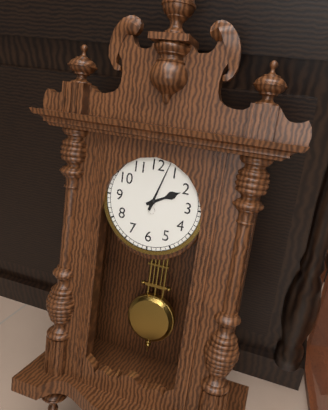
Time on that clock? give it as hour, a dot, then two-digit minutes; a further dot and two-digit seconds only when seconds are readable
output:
2.03
